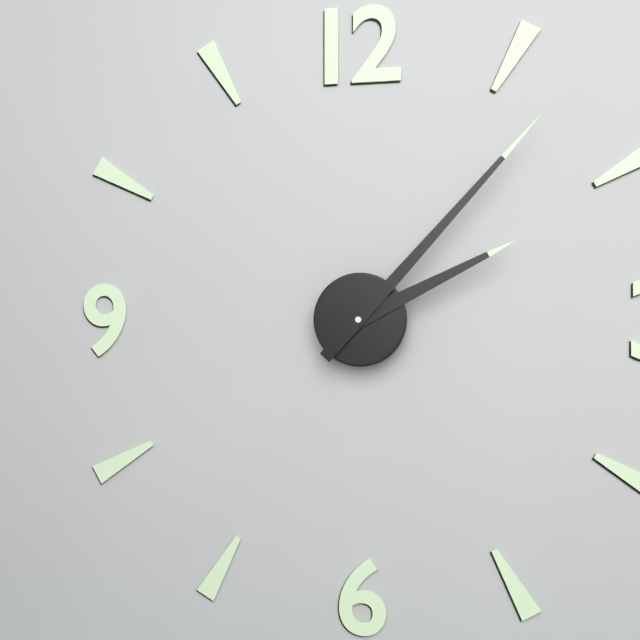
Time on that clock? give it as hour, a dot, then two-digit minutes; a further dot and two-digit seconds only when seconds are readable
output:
2.07
